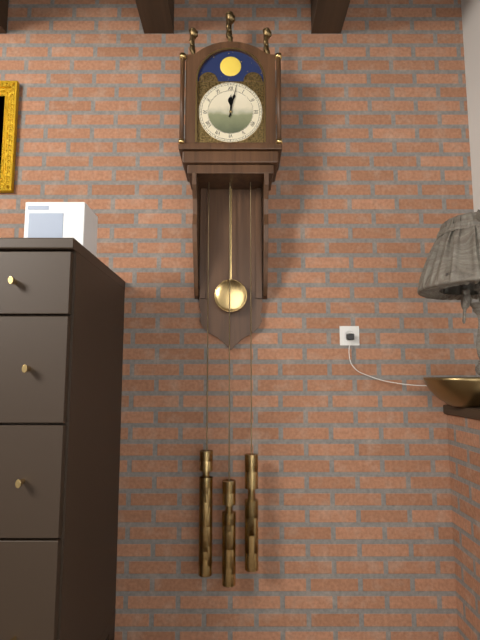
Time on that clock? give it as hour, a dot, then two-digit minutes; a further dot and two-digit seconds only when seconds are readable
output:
12.02
